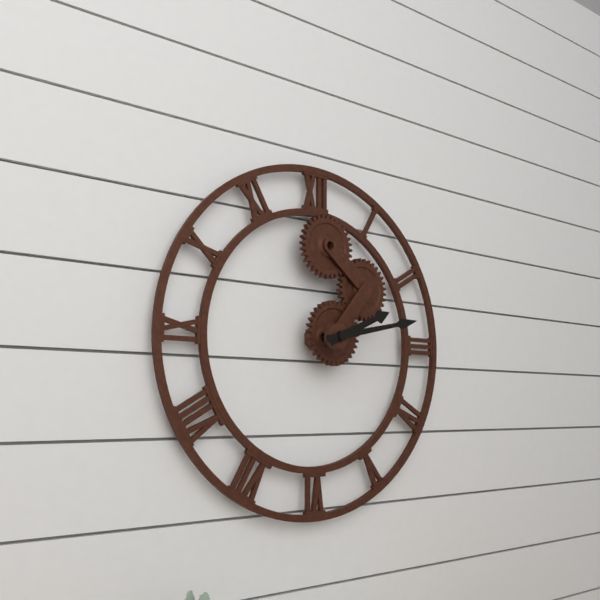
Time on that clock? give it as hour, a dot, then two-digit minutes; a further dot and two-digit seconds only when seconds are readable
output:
2.13
